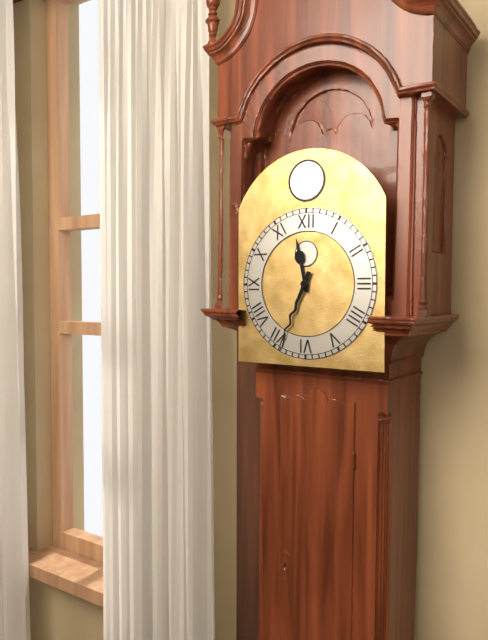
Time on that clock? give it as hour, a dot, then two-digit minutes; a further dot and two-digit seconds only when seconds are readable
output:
11.34
